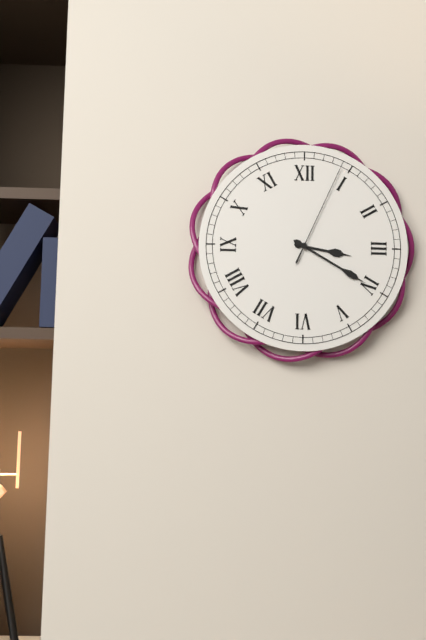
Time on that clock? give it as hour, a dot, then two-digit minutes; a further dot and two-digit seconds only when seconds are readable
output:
3.20.04
